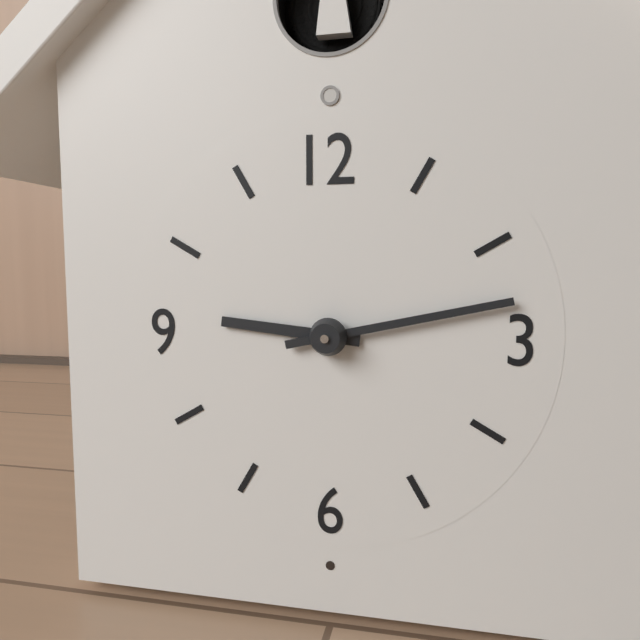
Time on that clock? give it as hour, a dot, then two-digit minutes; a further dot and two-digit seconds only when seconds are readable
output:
9.13
